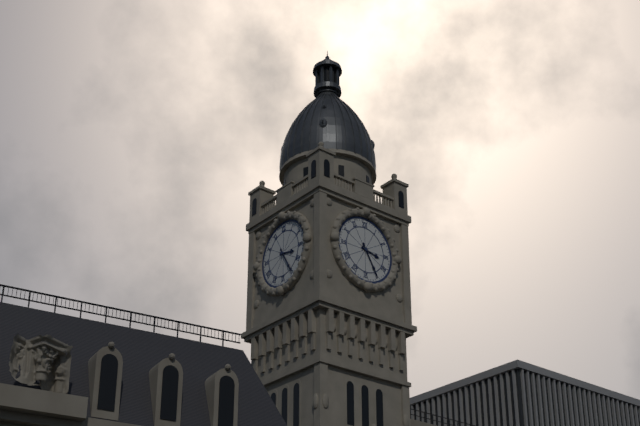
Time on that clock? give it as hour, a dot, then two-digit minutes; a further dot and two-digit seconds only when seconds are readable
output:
3.25
